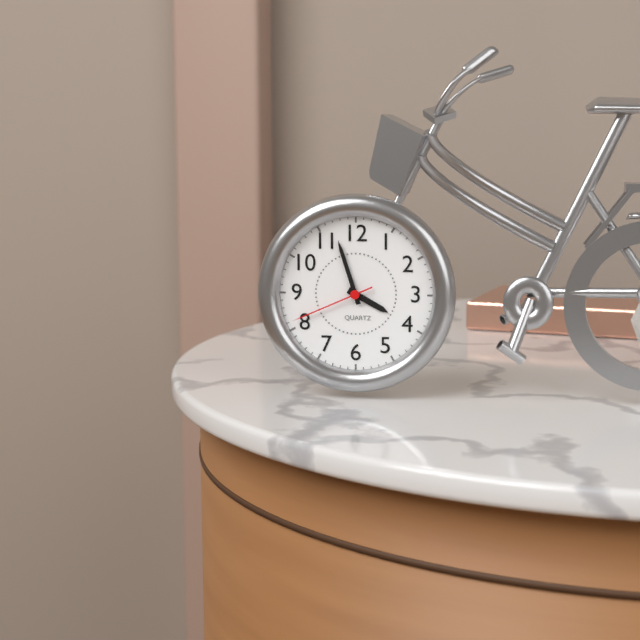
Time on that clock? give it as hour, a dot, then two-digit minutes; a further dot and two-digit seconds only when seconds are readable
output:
3.57.41
